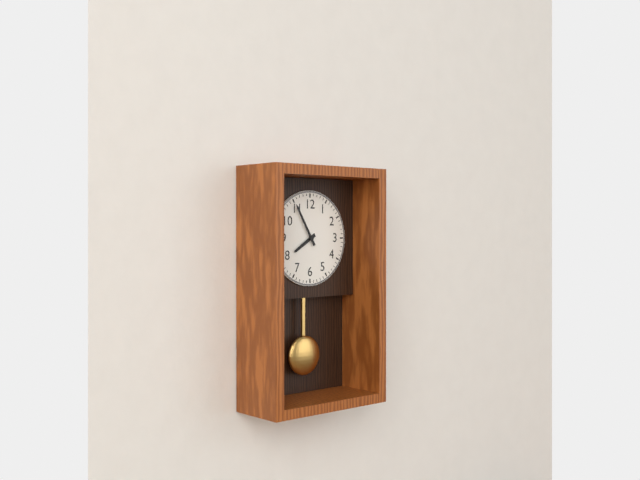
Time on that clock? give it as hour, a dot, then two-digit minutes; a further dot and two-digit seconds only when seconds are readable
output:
7.55
